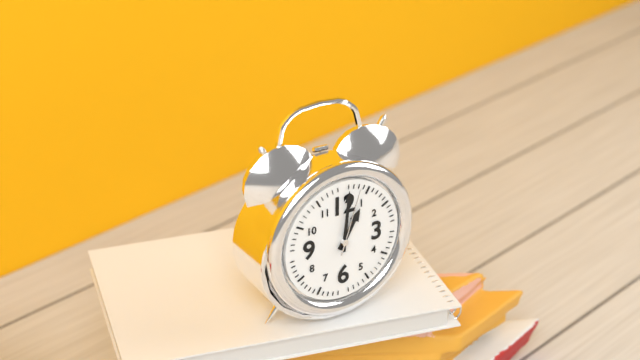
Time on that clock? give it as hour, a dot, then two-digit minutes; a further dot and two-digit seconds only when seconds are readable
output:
1.01.03
